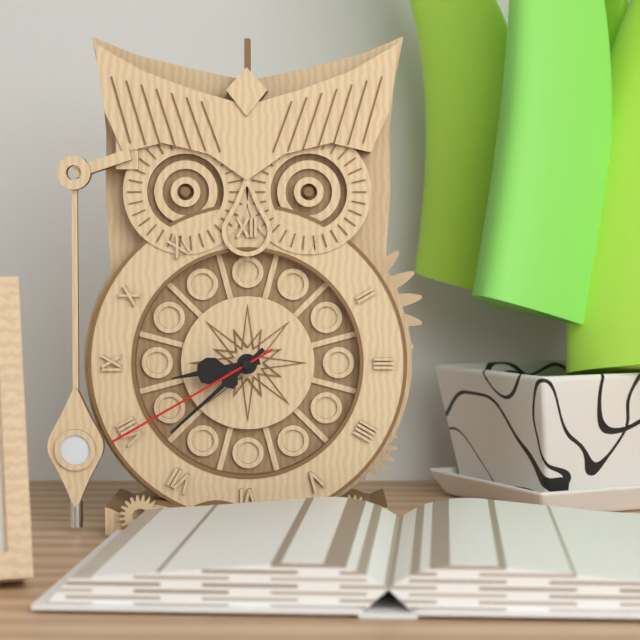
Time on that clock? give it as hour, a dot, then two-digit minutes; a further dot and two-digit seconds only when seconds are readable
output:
8.38.40
